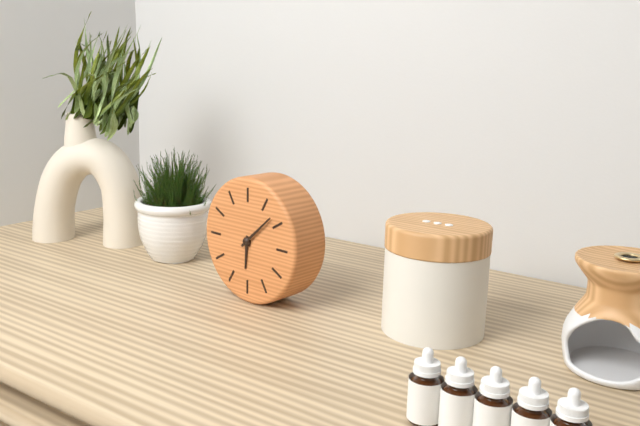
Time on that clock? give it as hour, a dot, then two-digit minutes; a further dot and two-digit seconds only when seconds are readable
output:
6.08
